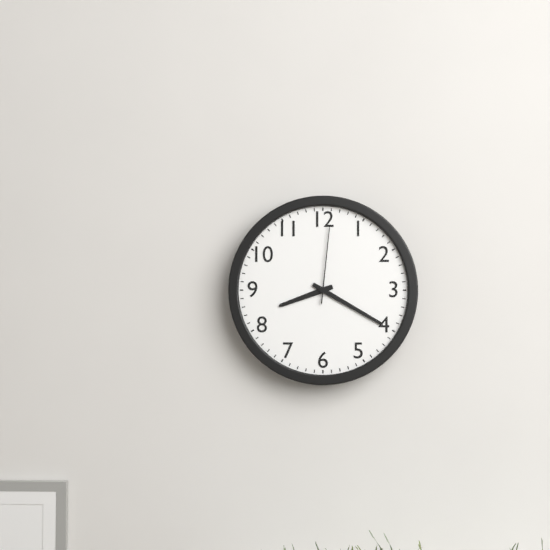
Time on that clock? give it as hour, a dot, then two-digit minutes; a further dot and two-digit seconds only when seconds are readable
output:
8.20.01
